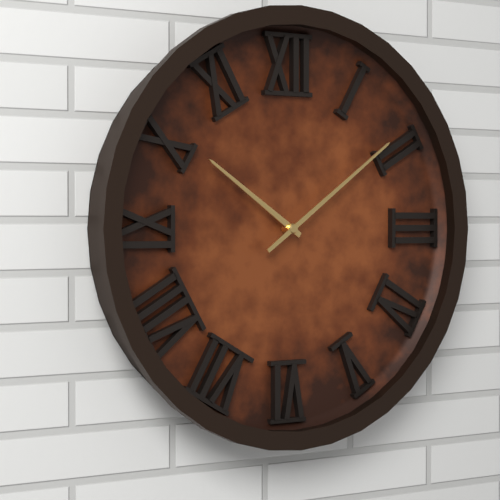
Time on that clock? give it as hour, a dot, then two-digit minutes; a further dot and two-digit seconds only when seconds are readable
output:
10.09
